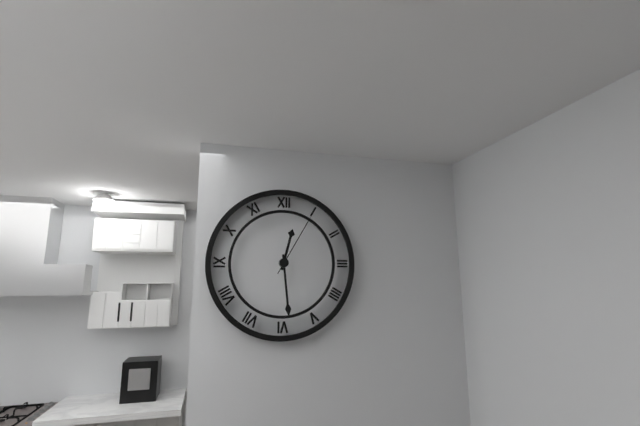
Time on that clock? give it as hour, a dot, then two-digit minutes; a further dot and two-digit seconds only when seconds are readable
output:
12.29.05
